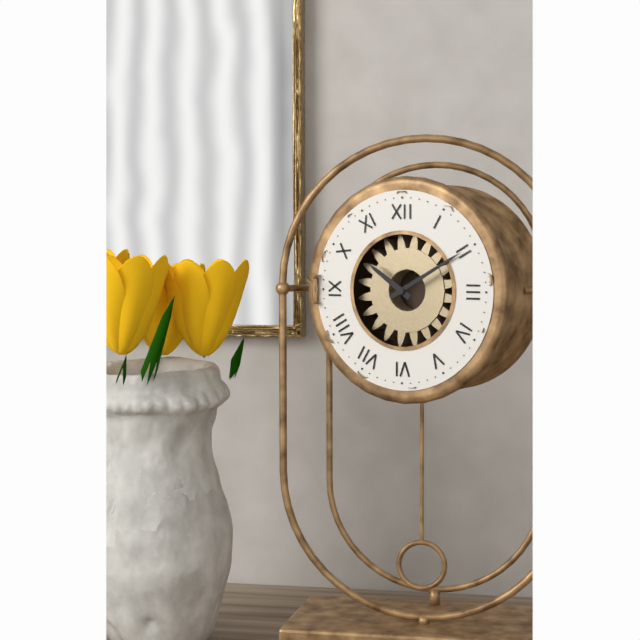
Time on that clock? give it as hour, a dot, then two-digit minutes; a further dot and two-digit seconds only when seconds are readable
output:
10.10
